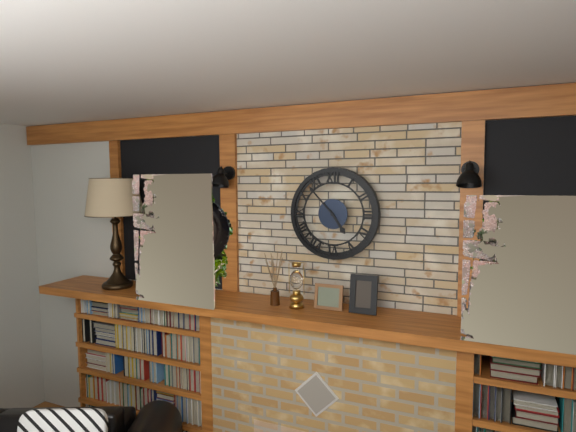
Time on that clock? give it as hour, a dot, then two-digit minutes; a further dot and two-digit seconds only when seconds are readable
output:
4.53
